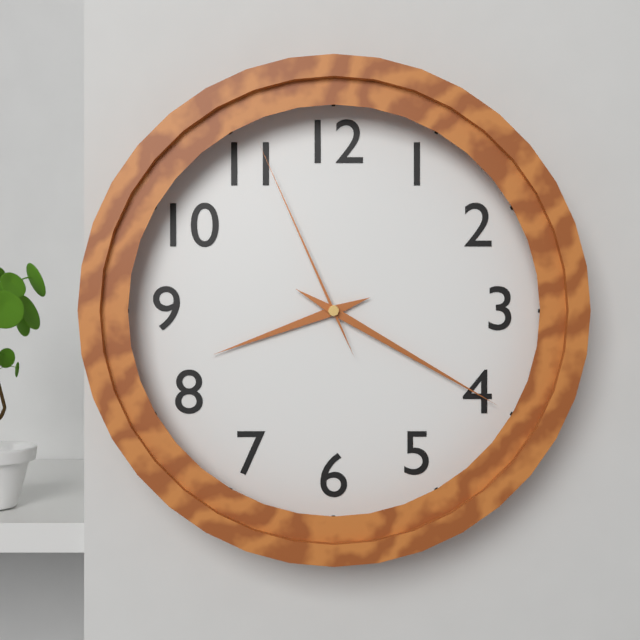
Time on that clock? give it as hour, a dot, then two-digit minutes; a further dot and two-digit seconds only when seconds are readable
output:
8.20.56
